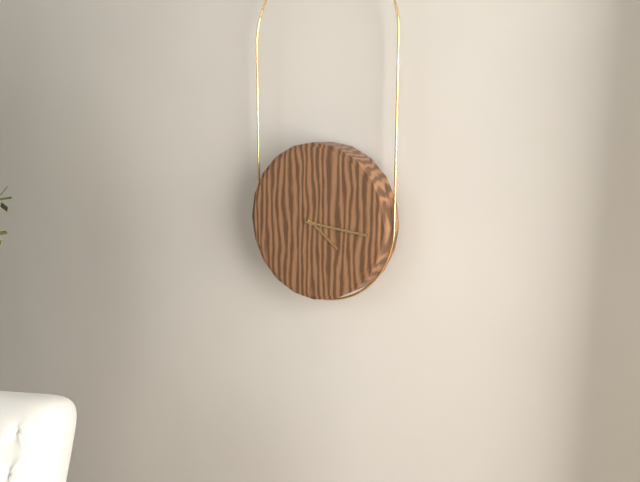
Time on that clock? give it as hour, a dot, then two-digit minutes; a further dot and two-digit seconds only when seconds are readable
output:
4.16
